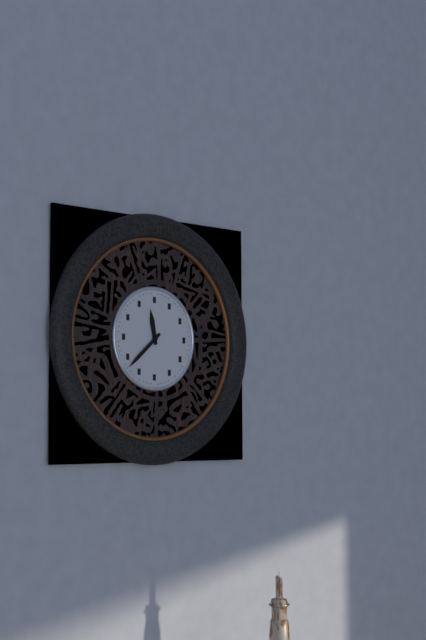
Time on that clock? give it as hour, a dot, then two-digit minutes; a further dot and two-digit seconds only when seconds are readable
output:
11.38
